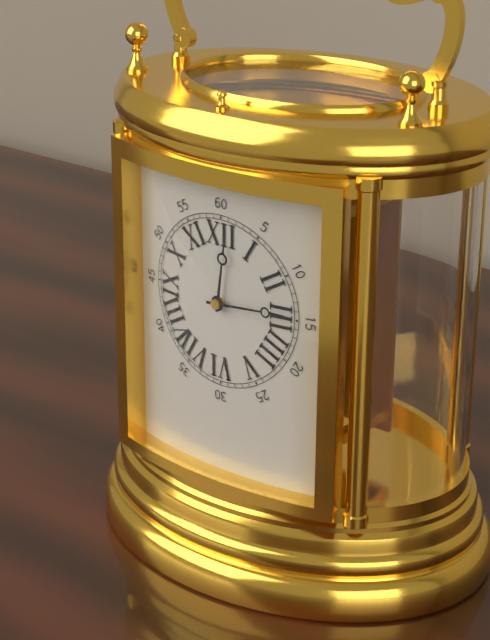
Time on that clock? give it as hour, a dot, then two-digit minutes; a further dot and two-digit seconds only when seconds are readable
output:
12.14
